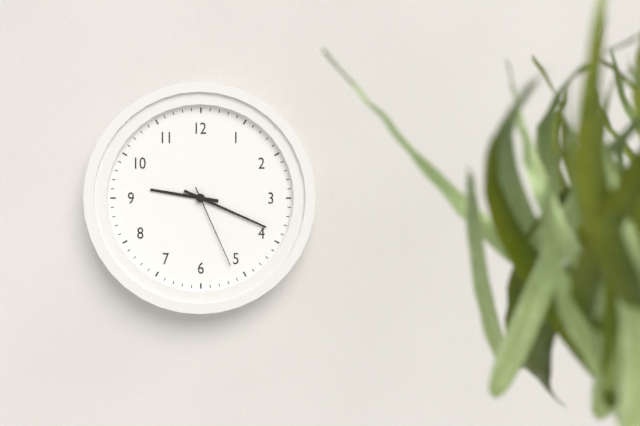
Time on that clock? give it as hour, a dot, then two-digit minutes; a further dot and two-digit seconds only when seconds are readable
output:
9.19.26
